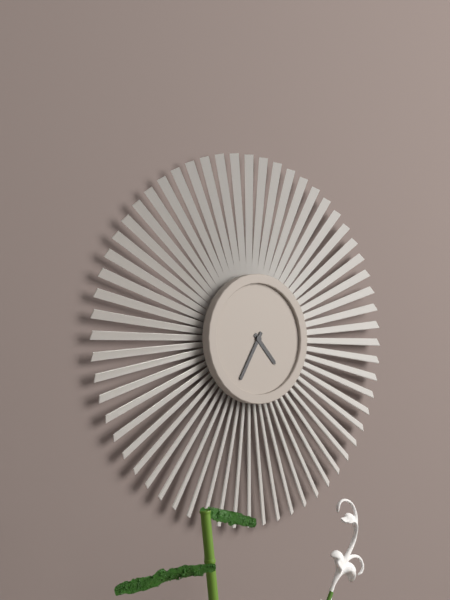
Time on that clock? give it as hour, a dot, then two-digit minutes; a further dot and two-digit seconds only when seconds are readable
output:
4.35
